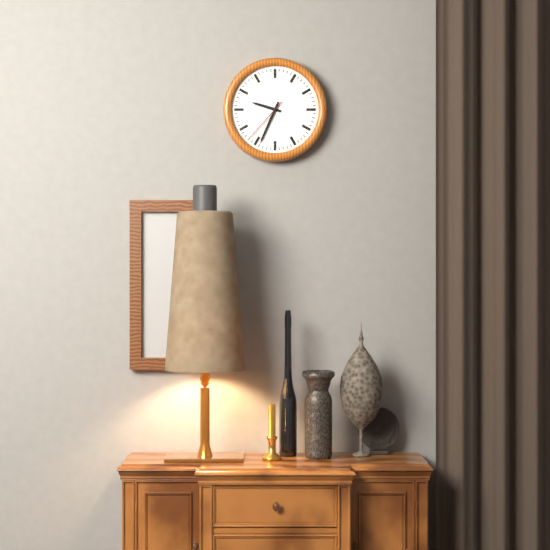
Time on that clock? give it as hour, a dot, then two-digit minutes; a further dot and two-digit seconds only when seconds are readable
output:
9.34
